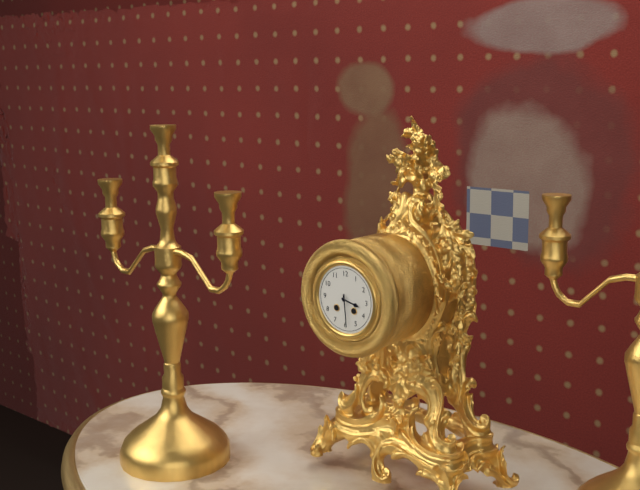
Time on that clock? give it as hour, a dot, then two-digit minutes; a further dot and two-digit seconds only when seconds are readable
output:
3.29
